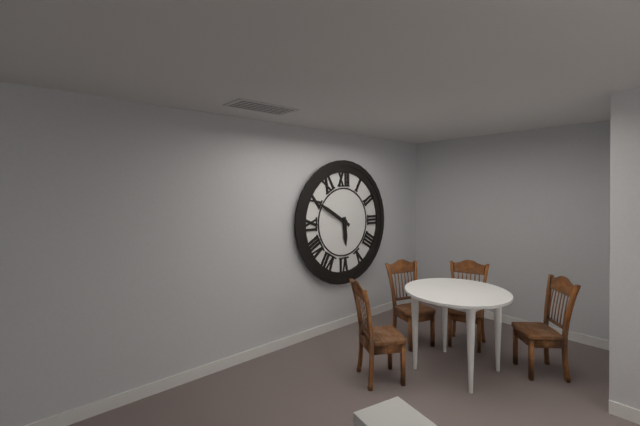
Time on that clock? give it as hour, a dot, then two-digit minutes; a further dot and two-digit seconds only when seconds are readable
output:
5.50
